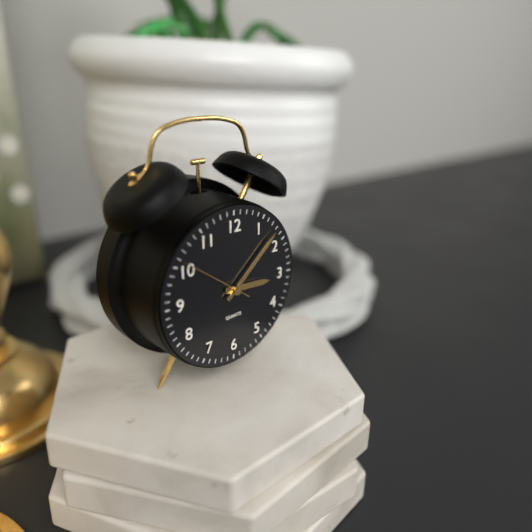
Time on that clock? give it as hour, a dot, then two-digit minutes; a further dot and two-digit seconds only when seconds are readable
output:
3.08.51
